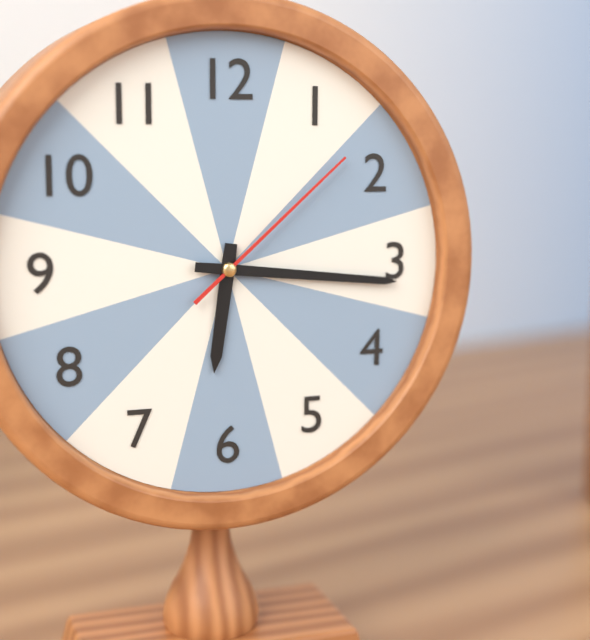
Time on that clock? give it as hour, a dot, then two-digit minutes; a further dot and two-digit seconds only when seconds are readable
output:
6.16.08
